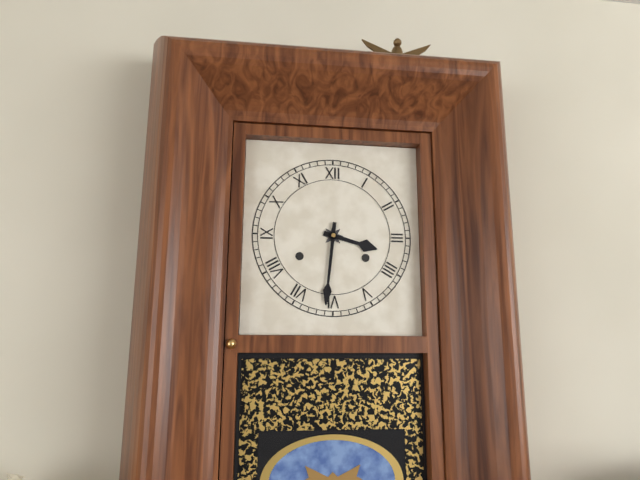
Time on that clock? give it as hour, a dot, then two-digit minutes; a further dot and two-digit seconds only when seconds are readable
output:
3.31
